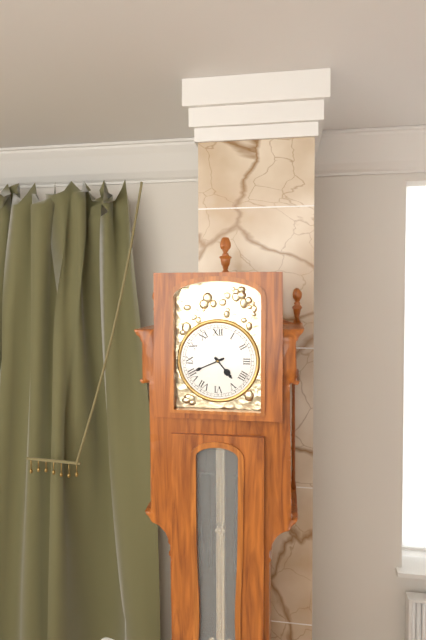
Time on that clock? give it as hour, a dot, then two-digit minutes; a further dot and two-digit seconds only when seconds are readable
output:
4.41
